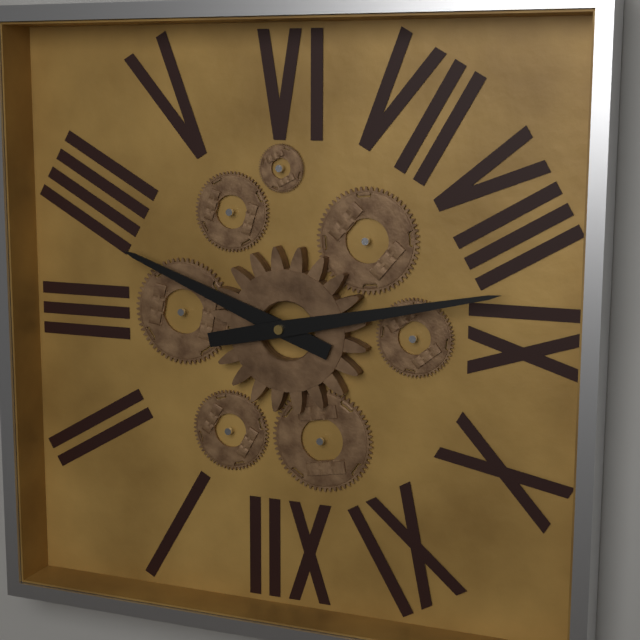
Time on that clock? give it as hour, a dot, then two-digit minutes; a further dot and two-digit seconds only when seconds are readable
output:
3.43
